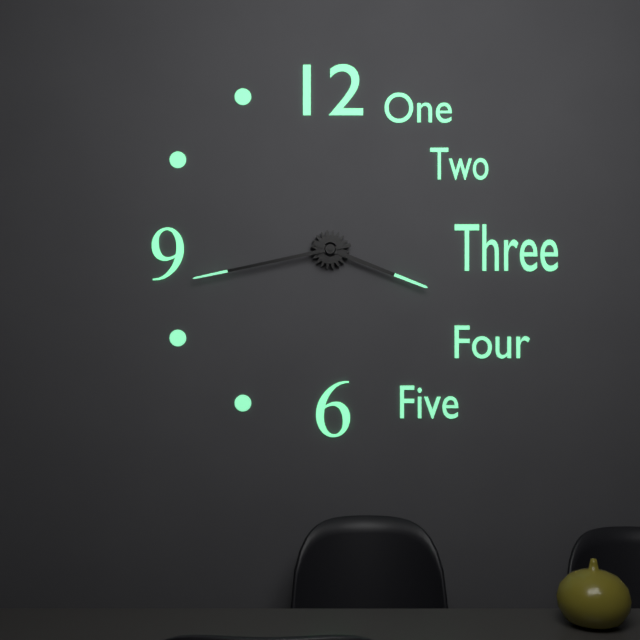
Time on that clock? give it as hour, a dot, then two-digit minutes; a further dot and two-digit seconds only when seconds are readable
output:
3.43
